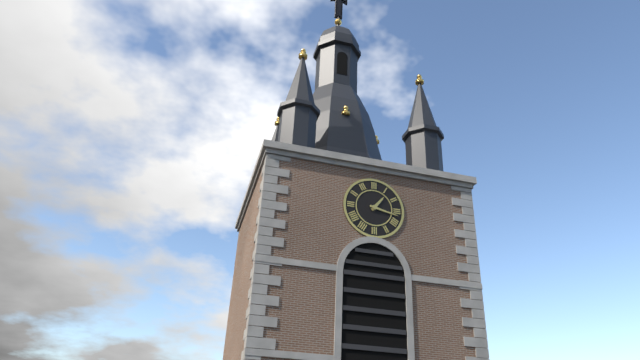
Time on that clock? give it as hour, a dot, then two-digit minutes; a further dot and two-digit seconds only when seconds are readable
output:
1.17
